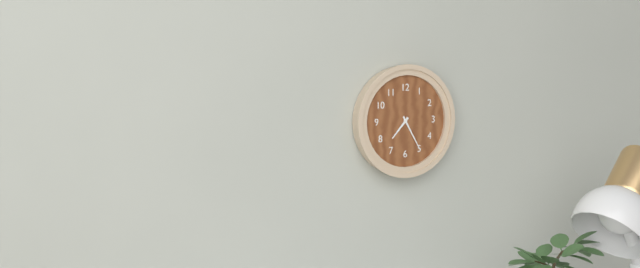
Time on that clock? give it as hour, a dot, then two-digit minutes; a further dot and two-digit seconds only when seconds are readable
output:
7.25
